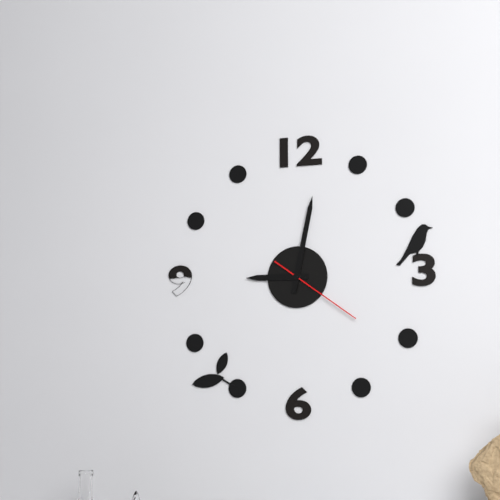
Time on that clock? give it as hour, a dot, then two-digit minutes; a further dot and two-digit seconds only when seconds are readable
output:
9.02.21
